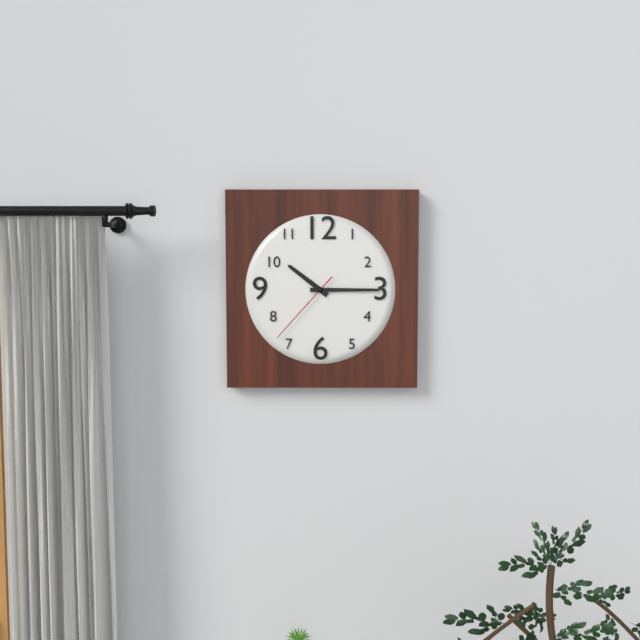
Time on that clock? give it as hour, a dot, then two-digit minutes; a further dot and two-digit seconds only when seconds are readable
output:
10.15.37
